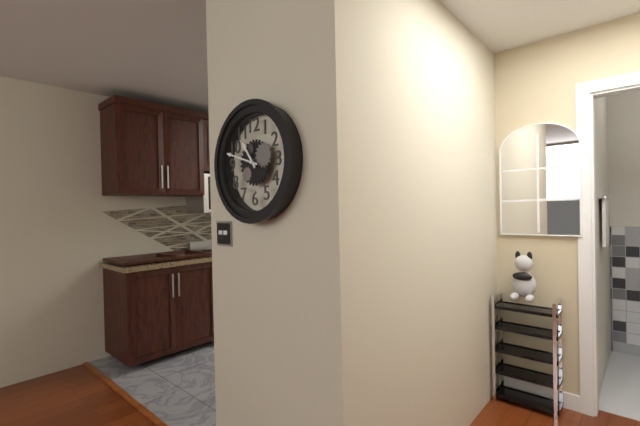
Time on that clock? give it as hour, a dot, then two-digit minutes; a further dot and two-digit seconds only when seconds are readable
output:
10.48
